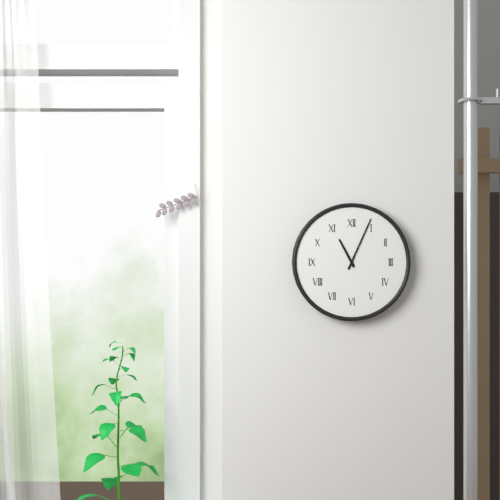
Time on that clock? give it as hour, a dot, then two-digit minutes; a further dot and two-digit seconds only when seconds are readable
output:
11.04
